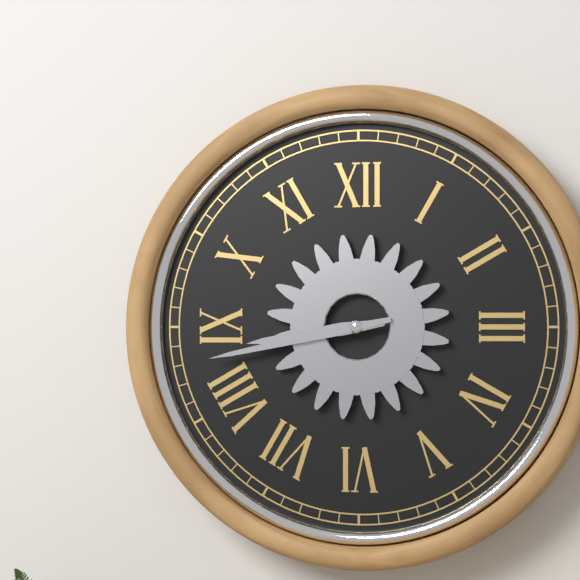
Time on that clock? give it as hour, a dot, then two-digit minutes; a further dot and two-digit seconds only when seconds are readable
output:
8.43
